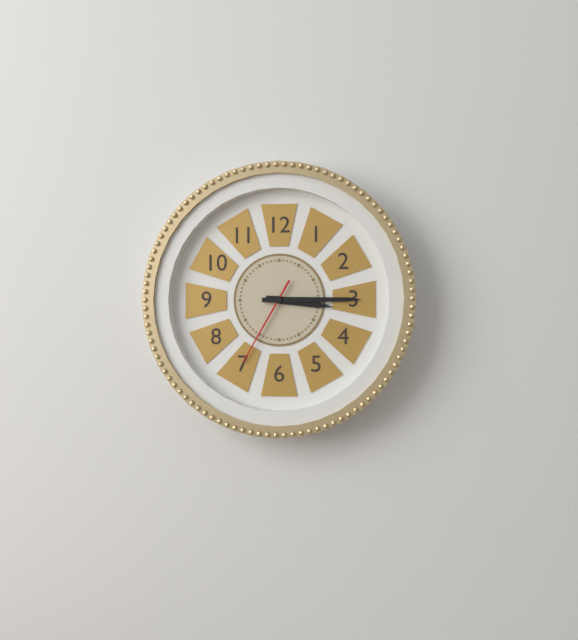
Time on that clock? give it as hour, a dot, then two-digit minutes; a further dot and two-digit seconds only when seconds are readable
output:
3.15.35
